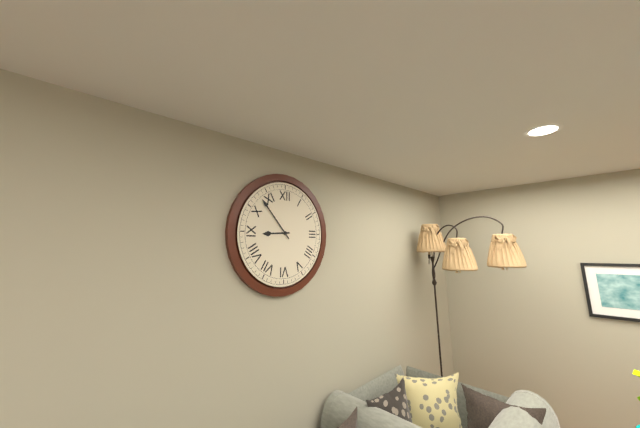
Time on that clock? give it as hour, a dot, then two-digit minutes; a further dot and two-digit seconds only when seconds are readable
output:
8.53
